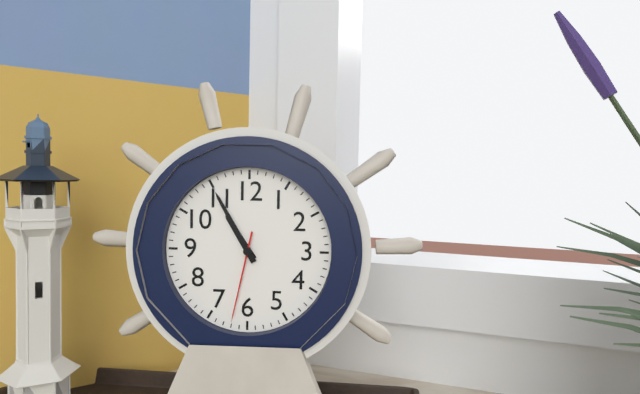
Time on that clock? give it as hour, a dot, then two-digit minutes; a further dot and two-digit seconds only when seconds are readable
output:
10.55.32
